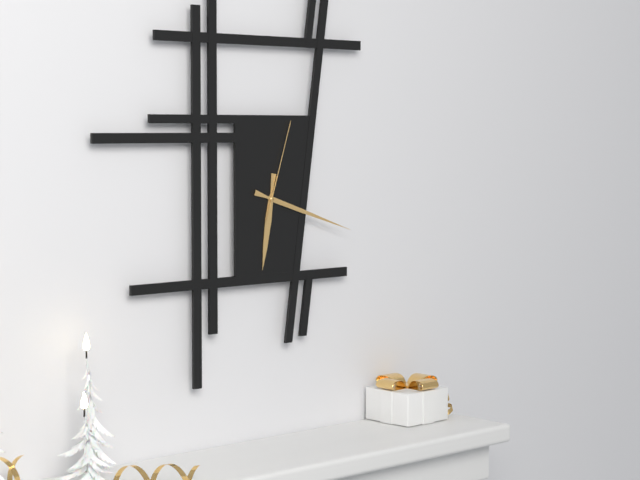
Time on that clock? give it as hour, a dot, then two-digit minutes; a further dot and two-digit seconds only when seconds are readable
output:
6.18.03
